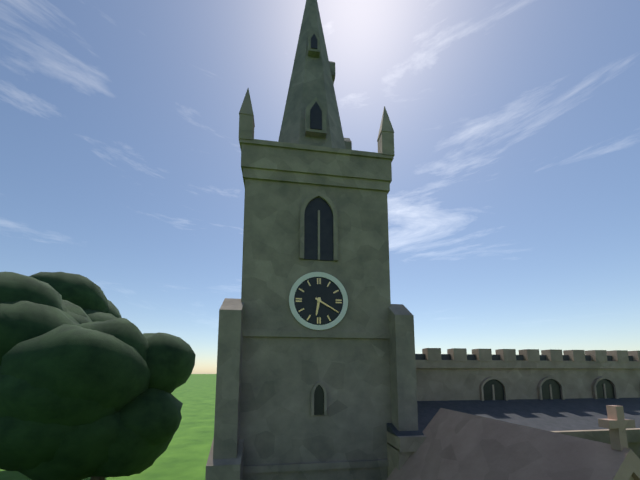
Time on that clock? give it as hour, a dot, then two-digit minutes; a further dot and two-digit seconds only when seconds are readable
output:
6.20
